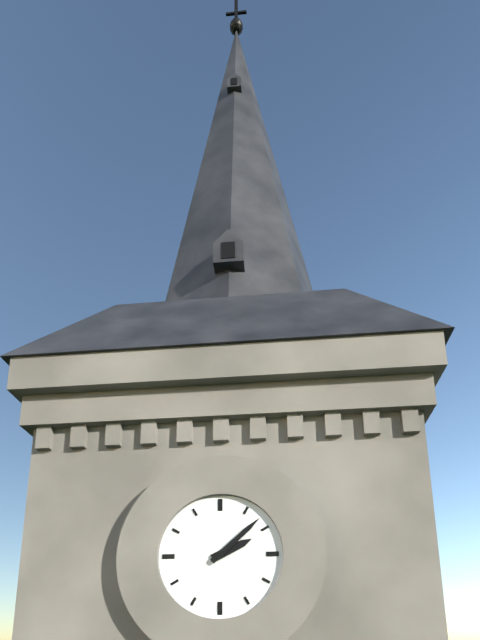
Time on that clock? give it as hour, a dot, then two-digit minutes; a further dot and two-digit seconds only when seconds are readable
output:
2.08
